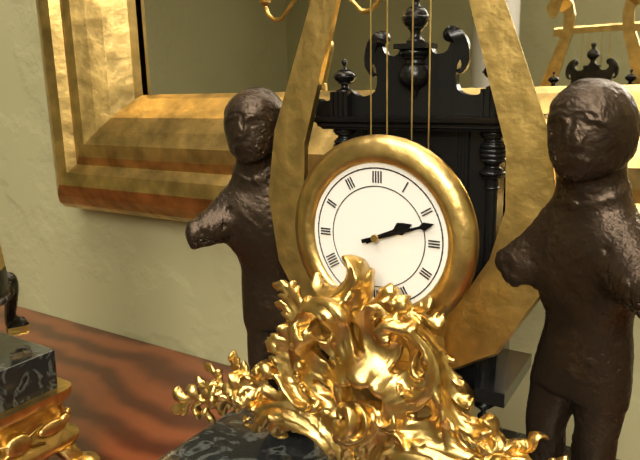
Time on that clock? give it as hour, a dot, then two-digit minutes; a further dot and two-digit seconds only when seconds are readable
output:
2.12
